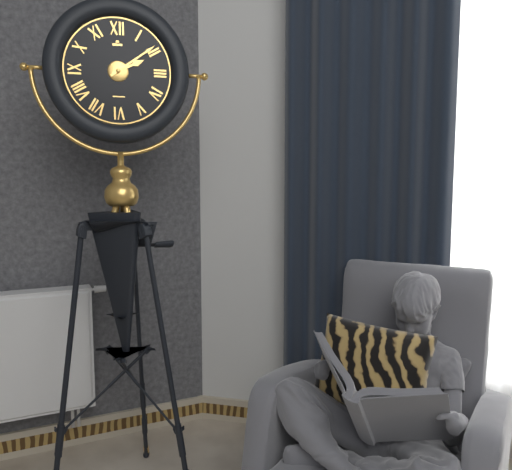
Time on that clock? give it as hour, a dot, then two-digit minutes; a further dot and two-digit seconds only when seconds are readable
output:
2.09
